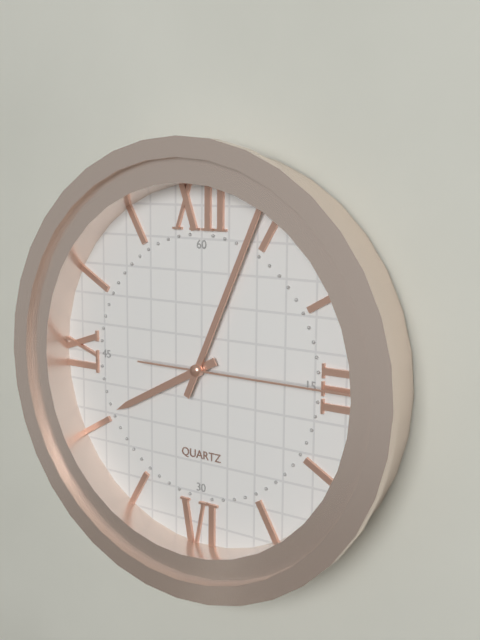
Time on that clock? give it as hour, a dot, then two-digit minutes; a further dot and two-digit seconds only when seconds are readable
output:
8.04.15
